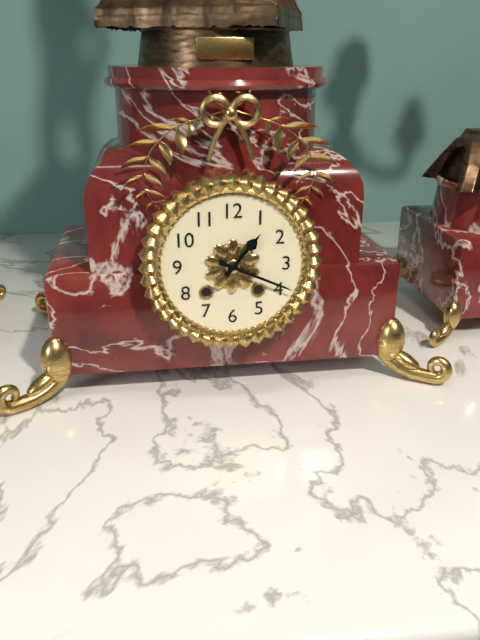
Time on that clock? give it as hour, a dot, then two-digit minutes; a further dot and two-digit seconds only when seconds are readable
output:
1.19
